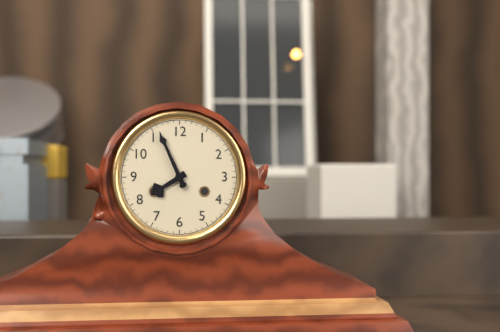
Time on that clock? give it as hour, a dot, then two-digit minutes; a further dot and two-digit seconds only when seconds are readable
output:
7.56
